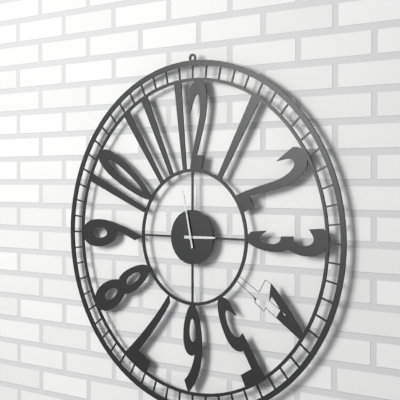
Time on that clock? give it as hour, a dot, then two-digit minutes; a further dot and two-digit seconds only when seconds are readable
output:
2.58
